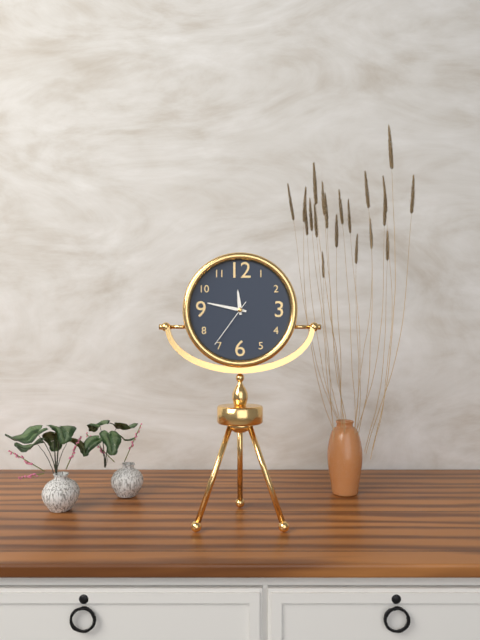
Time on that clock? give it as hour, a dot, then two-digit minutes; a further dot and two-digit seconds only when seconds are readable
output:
11.47.36
